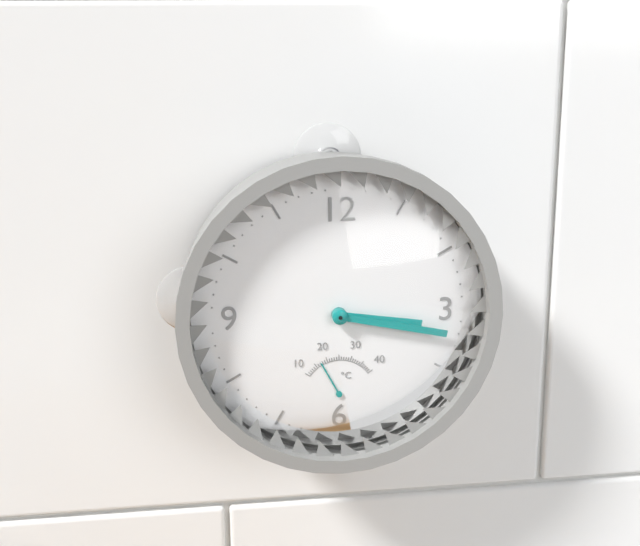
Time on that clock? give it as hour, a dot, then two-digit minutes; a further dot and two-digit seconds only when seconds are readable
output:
3.17
